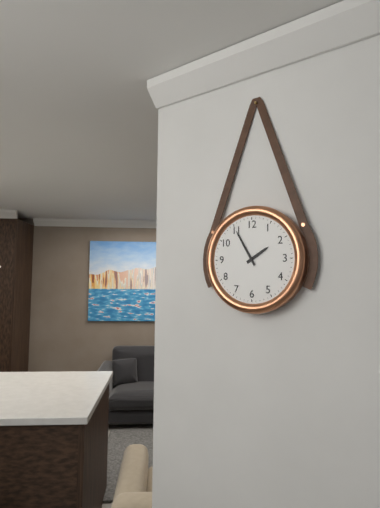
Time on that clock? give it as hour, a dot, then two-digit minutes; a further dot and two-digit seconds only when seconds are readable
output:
1.55
